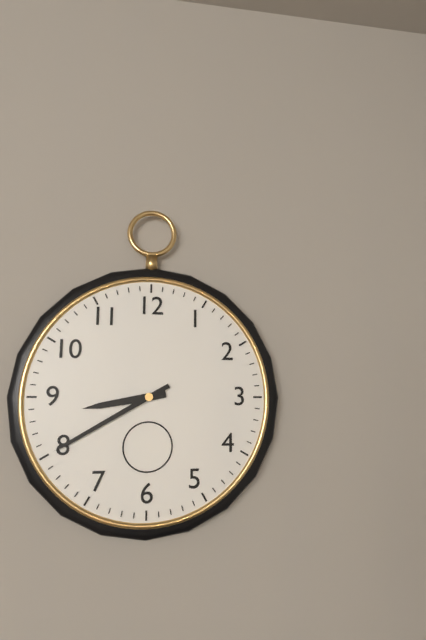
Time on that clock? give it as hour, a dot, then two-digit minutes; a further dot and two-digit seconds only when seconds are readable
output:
8.40
